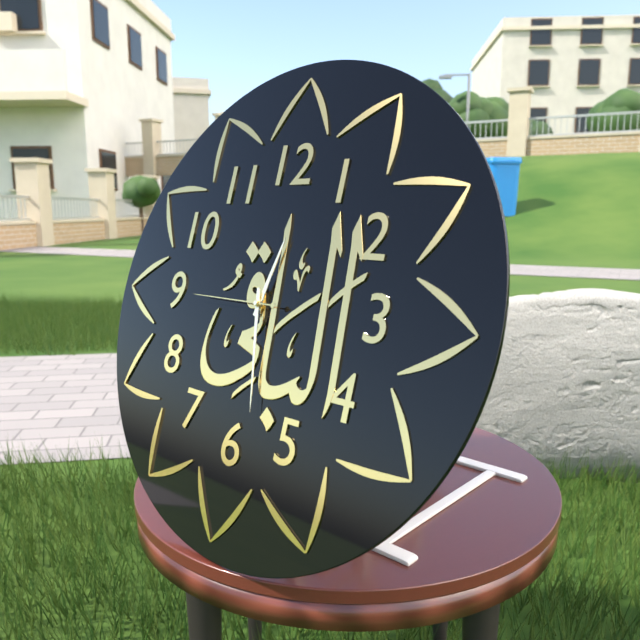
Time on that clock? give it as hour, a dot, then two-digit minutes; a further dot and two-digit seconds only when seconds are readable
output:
12.28.45
